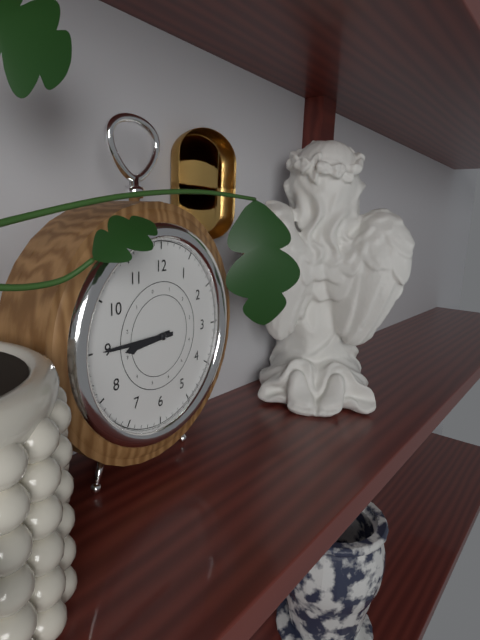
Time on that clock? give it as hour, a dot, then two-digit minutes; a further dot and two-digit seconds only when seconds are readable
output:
8.45
